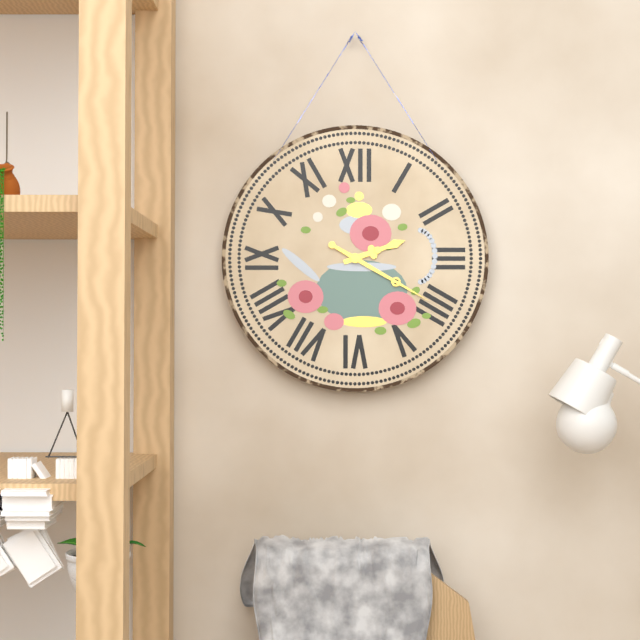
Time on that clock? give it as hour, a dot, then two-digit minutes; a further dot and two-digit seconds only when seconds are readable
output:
2.20
